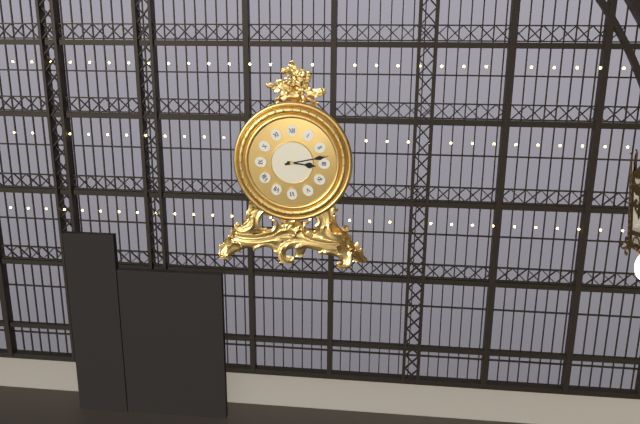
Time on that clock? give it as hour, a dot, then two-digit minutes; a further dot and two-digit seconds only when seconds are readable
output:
3.13
